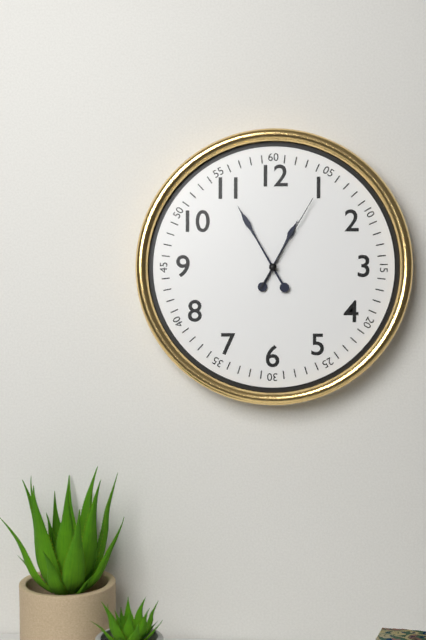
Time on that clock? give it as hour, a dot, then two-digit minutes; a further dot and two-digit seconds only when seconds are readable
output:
12.55.05
